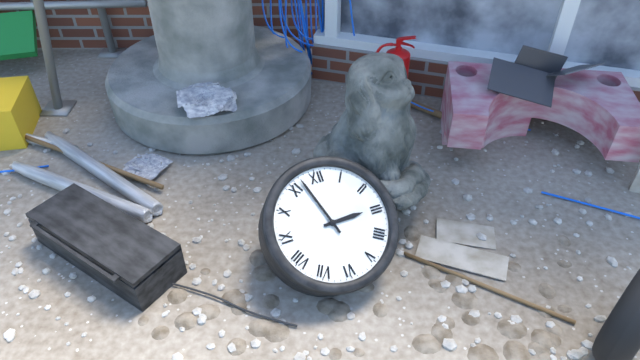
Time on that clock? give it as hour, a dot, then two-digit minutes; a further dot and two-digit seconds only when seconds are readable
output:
2.57
